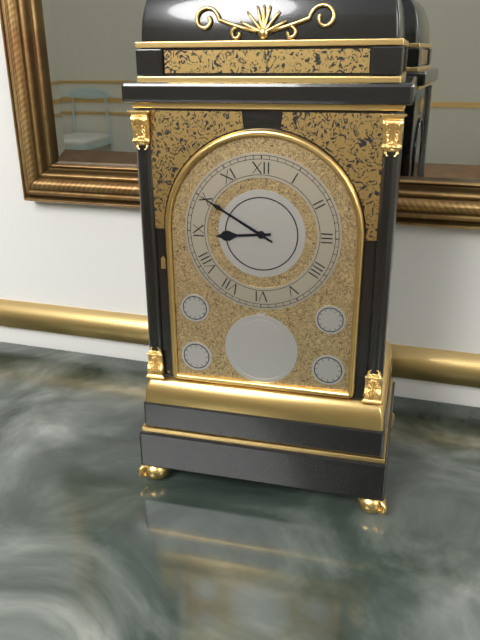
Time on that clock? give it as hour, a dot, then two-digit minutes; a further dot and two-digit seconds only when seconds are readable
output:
8.50
